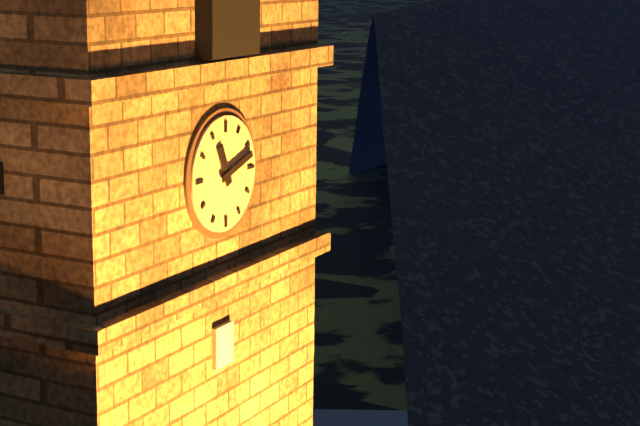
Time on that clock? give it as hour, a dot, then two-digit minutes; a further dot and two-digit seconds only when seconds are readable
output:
11.12
